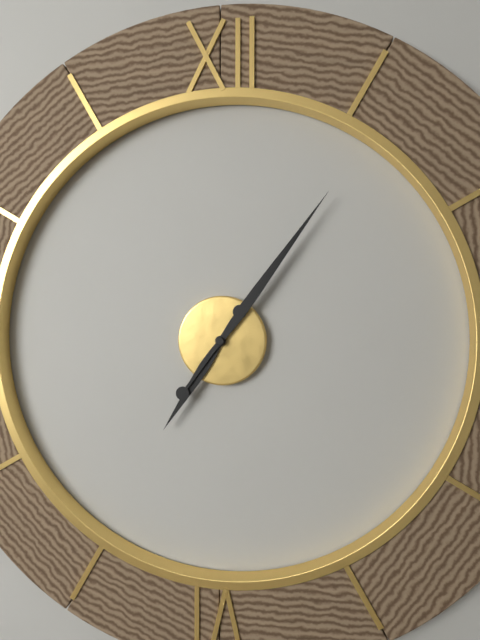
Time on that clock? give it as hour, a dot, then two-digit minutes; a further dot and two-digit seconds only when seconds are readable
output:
7.06
